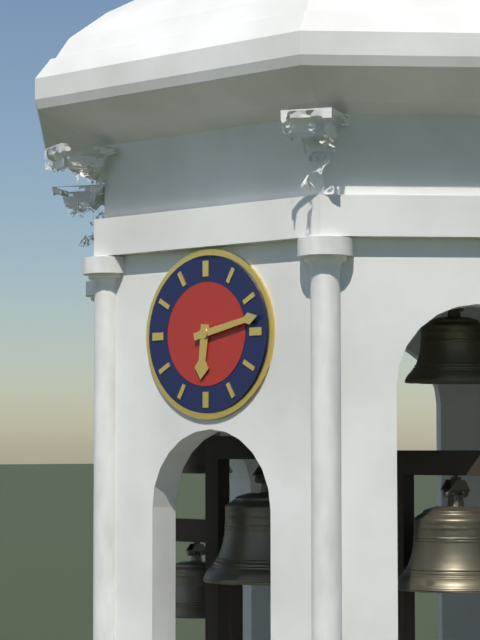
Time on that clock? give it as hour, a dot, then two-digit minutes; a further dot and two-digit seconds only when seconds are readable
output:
6.13
